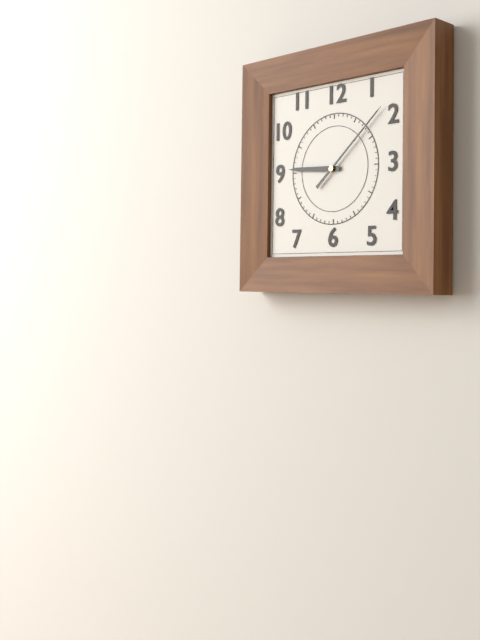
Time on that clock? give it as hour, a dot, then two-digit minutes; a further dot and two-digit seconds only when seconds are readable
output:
9.08
